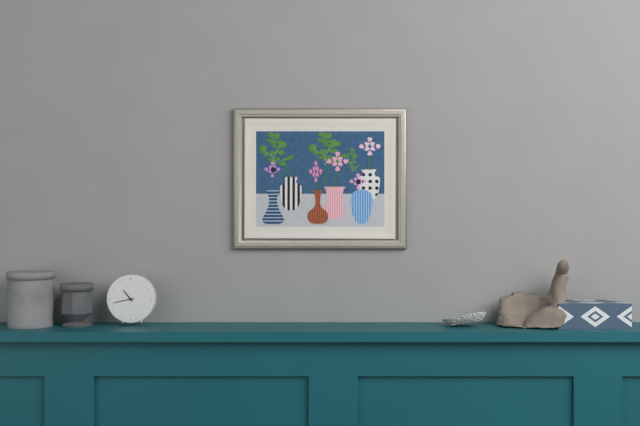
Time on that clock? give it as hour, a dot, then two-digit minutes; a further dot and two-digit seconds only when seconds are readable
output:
10.43
